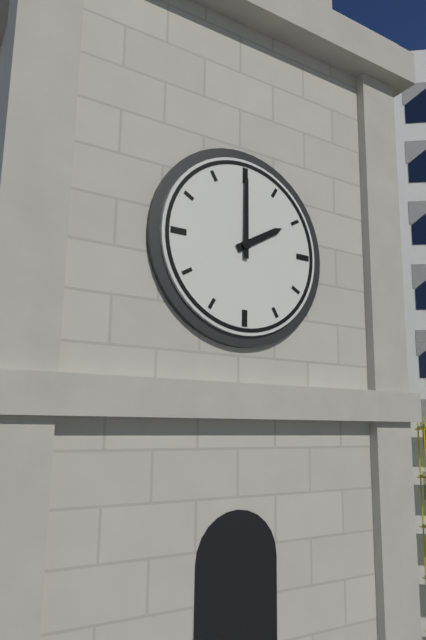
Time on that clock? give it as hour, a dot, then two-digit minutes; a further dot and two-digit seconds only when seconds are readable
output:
2.00
